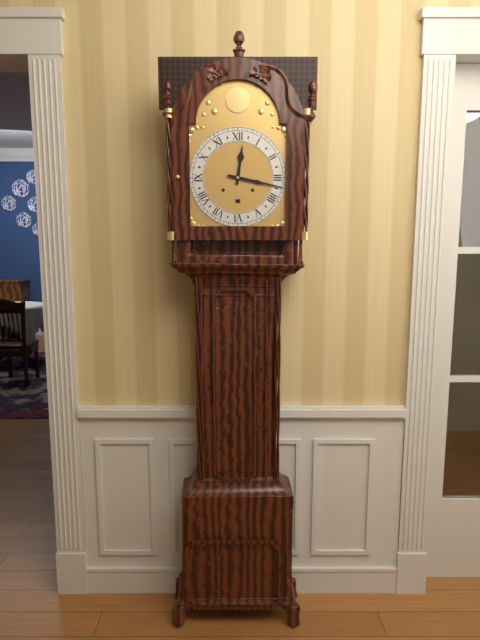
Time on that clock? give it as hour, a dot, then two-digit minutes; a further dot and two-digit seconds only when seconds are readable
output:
12.17
